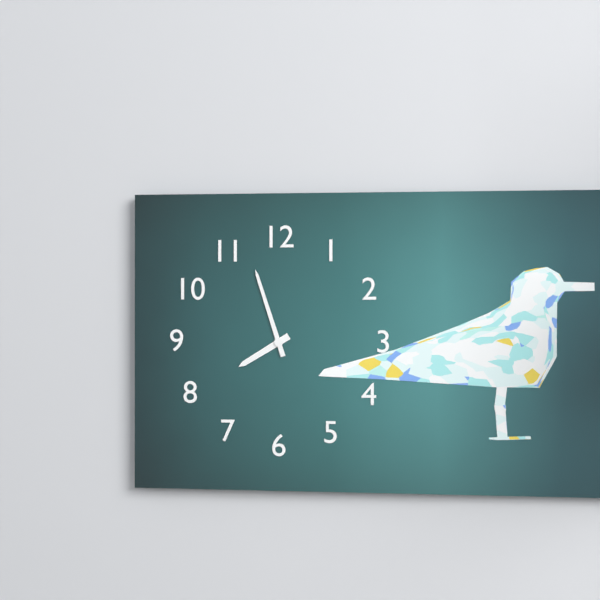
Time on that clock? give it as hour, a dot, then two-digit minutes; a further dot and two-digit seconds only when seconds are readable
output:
7.57
